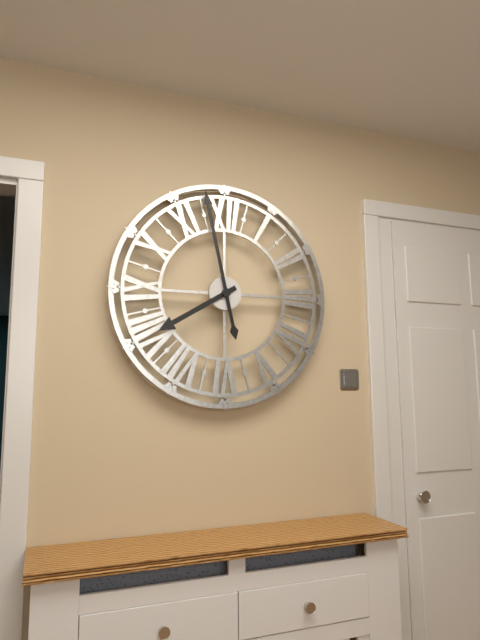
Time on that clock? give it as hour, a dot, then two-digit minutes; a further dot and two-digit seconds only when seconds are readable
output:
7.58
